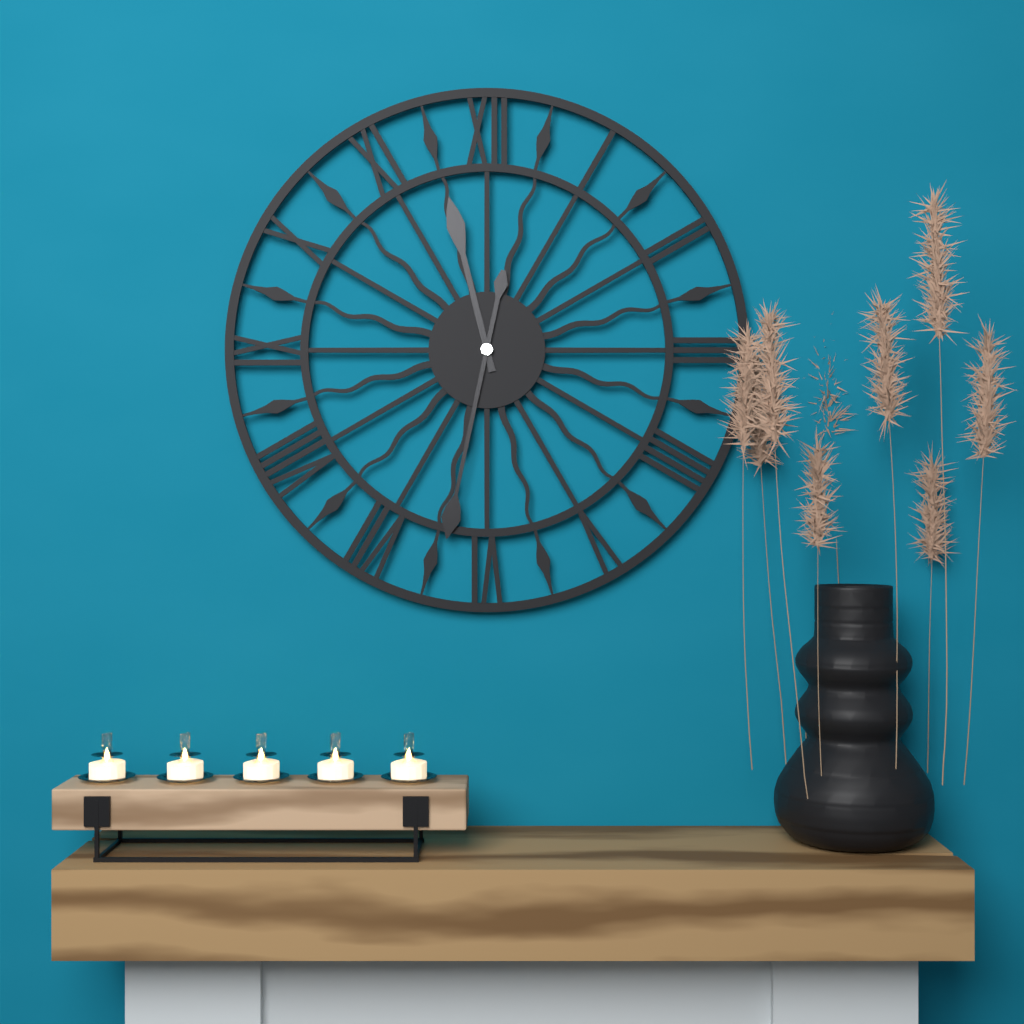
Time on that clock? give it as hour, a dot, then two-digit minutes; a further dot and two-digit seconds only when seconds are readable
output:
11.32
